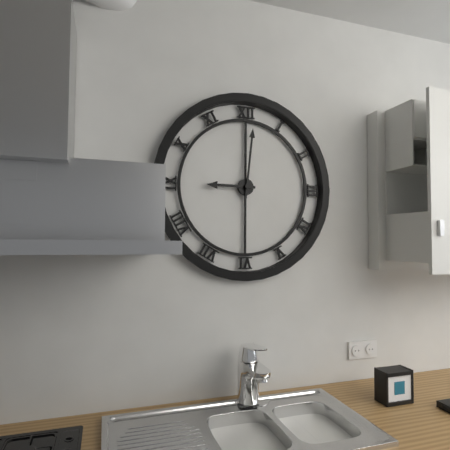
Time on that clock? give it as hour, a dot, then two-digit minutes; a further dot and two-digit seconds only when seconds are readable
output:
9.01
